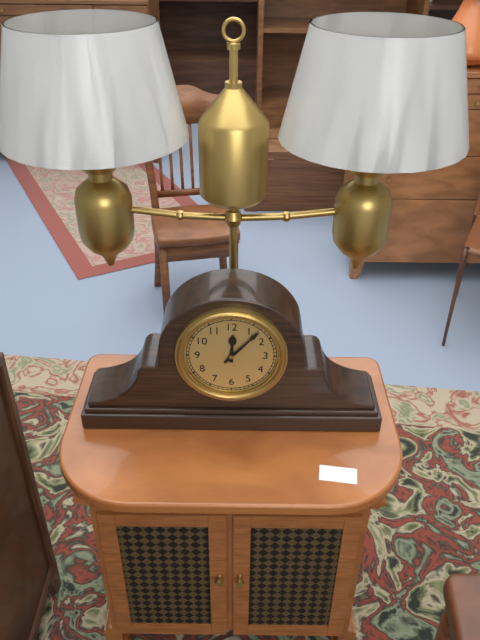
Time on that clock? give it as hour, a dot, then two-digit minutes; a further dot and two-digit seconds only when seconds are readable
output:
12.07
